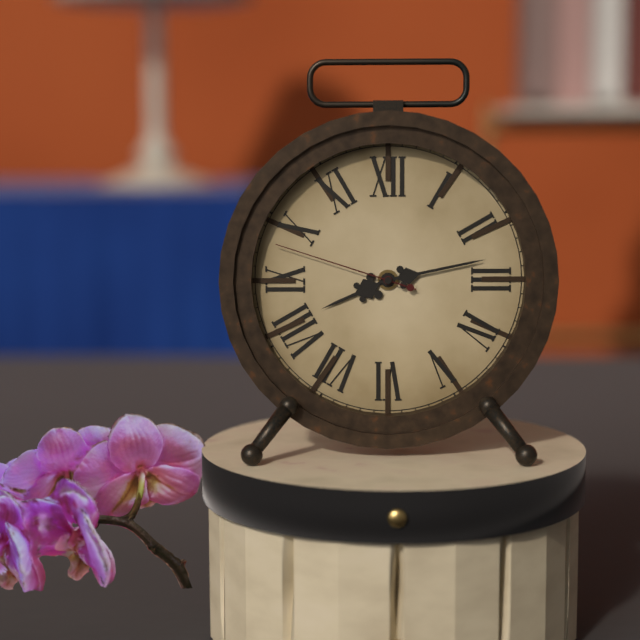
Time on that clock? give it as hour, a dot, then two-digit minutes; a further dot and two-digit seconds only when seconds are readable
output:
8.13.48
